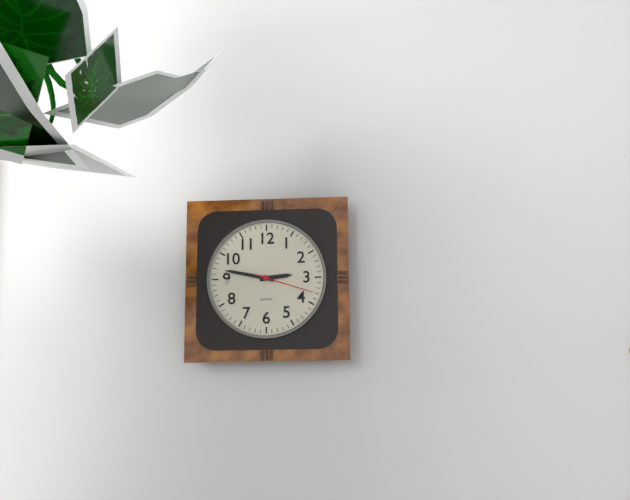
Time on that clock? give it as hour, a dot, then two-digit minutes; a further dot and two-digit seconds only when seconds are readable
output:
2.47.18
